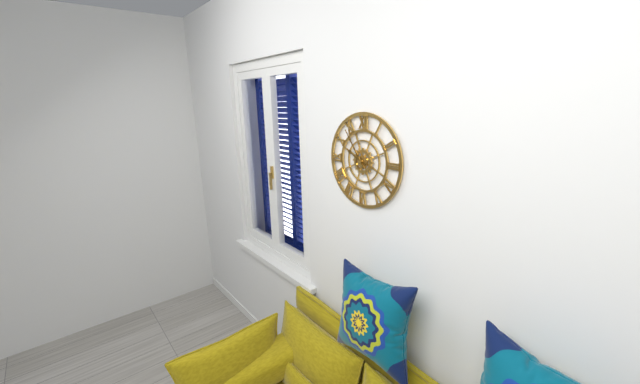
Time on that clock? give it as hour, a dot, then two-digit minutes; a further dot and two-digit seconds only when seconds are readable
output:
9.54
